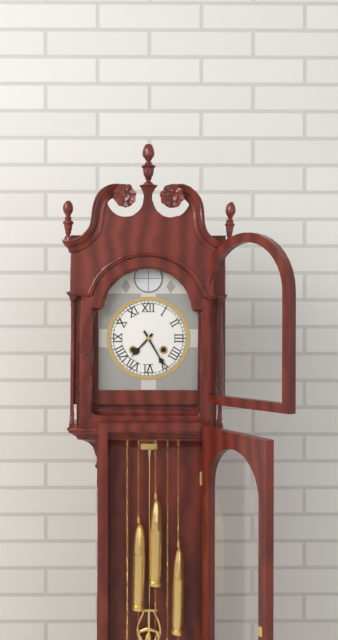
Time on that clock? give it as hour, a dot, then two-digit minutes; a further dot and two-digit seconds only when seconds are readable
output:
7.25
